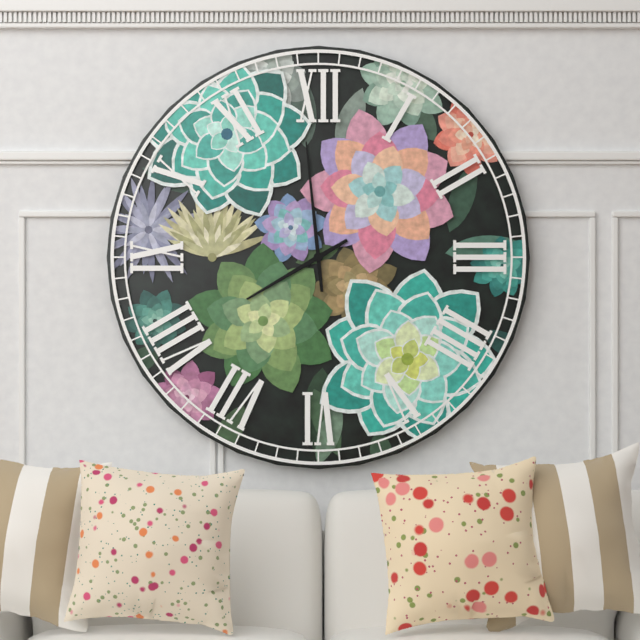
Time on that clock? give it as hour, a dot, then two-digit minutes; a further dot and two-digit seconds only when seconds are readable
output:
7.59
